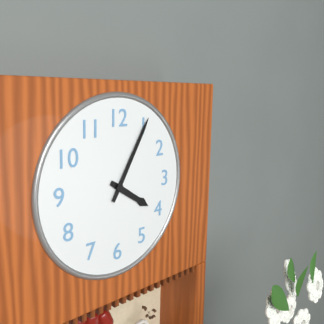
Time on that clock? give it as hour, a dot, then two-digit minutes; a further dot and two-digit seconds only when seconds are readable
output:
4.05
